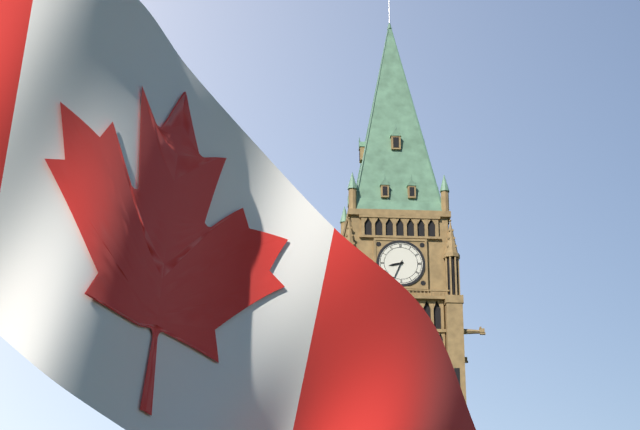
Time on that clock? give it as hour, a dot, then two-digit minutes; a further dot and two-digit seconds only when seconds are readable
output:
8.34
